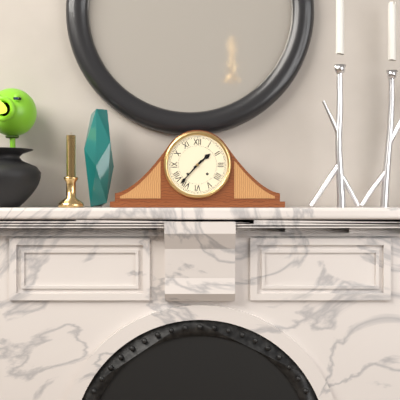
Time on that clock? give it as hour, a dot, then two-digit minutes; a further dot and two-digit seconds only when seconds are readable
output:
1.37
